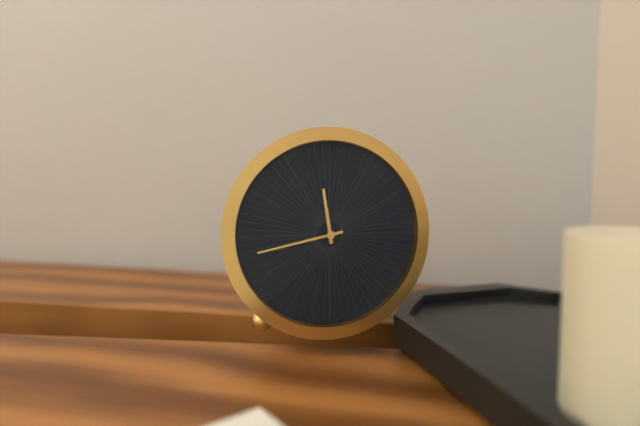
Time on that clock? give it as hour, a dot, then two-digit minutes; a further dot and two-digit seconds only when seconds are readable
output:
11.43
